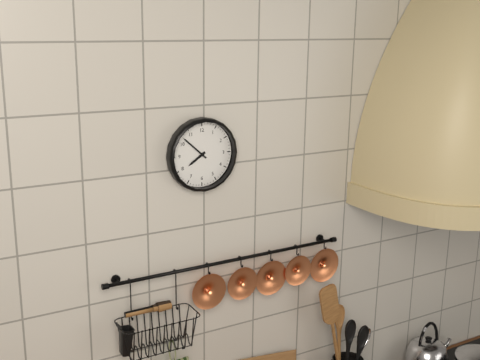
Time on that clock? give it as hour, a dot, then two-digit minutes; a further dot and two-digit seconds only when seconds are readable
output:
7.52
